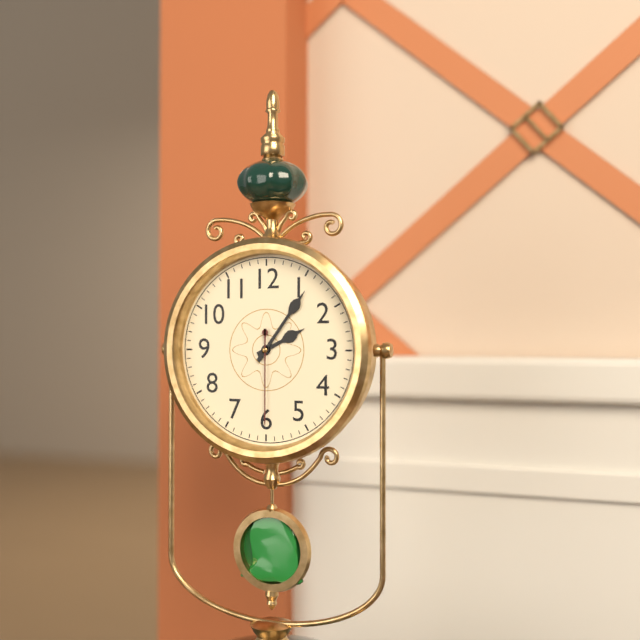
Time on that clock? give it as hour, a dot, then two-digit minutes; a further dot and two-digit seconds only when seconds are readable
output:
2.06.30
